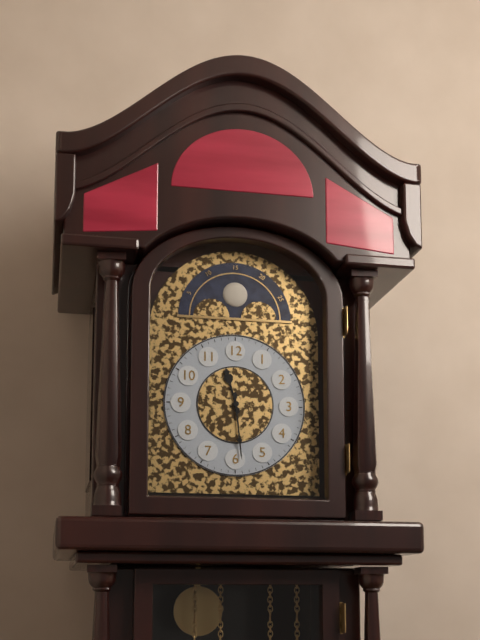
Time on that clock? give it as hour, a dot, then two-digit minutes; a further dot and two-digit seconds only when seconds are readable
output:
11.29
